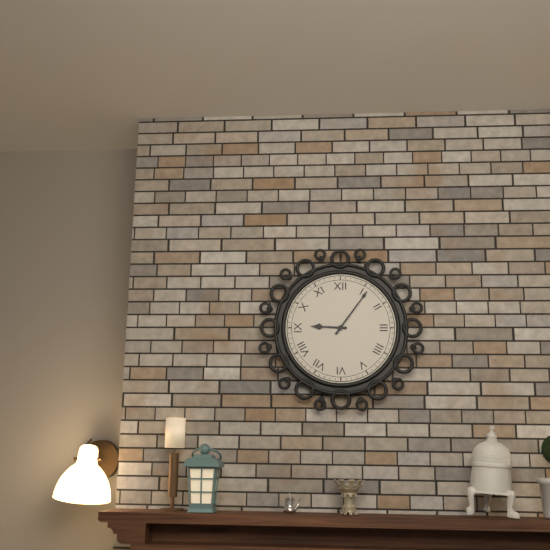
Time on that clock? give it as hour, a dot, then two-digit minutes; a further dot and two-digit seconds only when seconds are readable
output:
9.06
